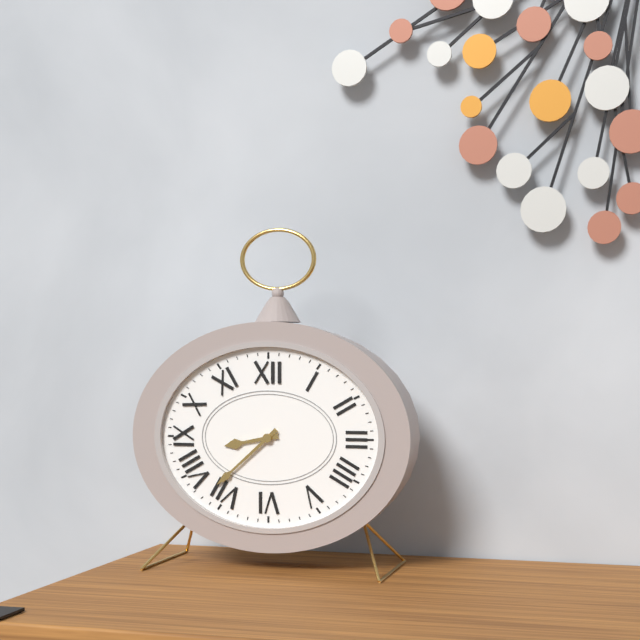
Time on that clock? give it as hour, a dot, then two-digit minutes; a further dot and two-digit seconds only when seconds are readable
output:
8.38
